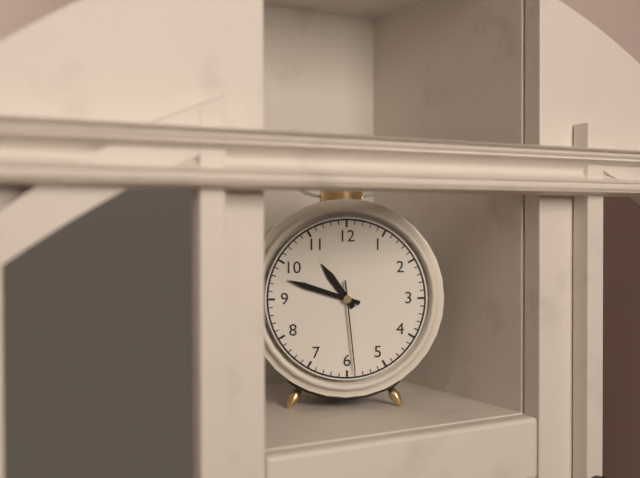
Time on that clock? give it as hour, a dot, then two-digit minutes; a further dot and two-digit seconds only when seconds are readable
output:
10.48.29
